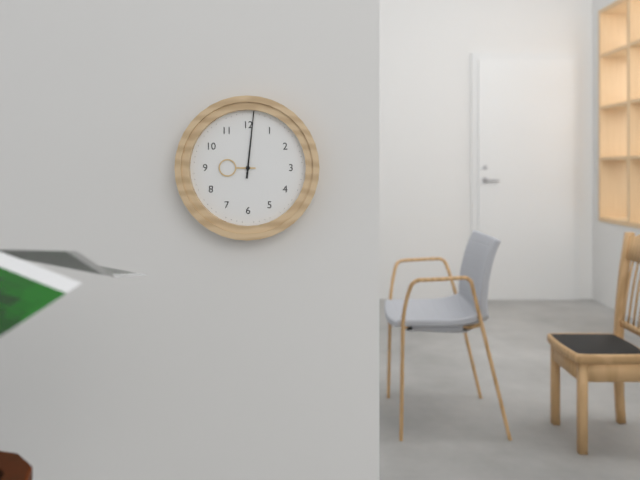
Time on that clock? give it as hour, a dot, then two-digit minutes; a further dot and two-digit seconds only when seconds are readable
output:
9.01
